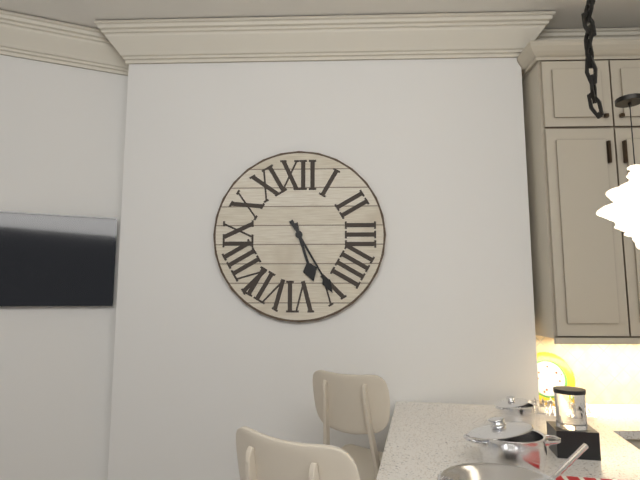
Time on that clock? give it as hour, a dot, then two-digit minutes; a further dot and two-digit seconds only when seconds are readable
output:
5.25
